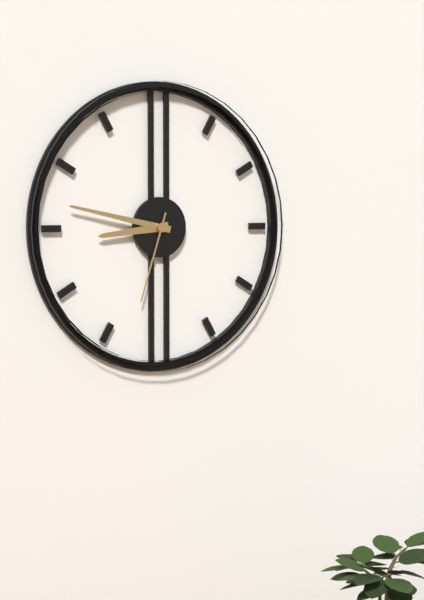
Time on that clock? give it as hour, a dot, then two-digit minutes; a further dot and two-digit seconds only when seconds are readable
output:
8.47.33
